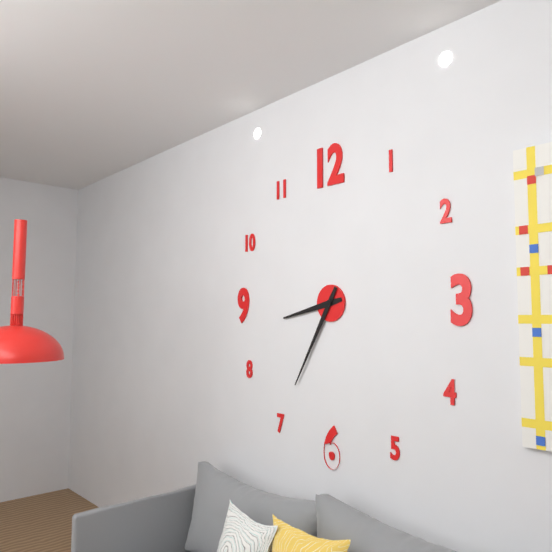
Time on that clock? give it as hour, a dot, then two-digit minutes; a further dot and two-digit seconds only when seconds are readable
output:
8.35
